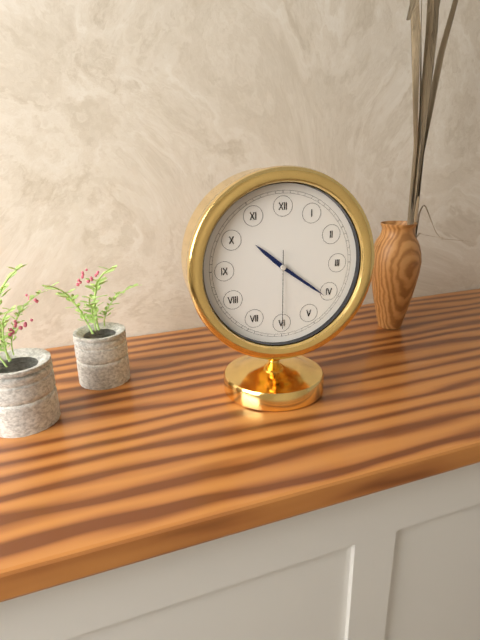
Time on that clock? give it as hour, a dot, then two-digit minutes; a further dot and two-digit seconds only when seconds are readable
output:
10.21.30
